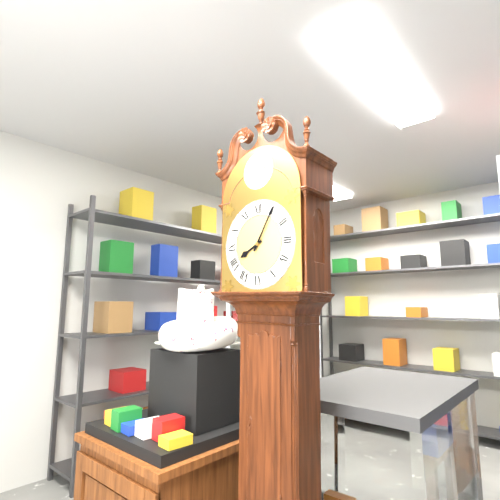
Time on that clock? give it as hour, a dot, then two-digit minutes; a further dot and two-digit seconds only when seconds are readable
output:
8.05
